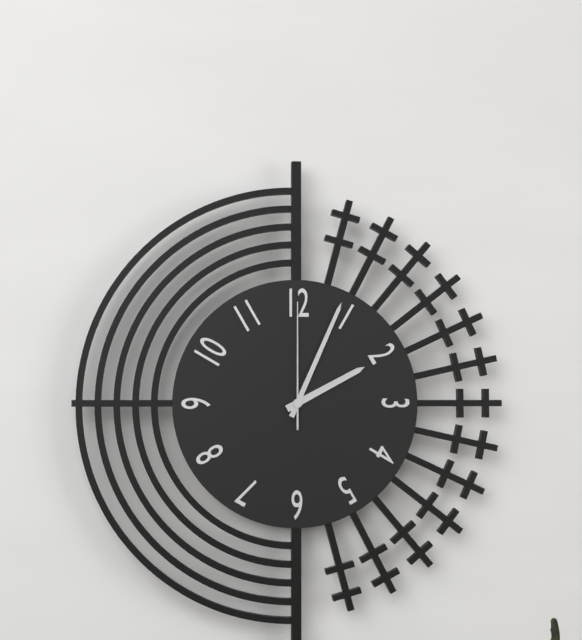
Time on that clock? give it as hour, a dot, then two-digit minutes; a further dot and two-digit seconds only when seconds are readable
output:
2.04.00
